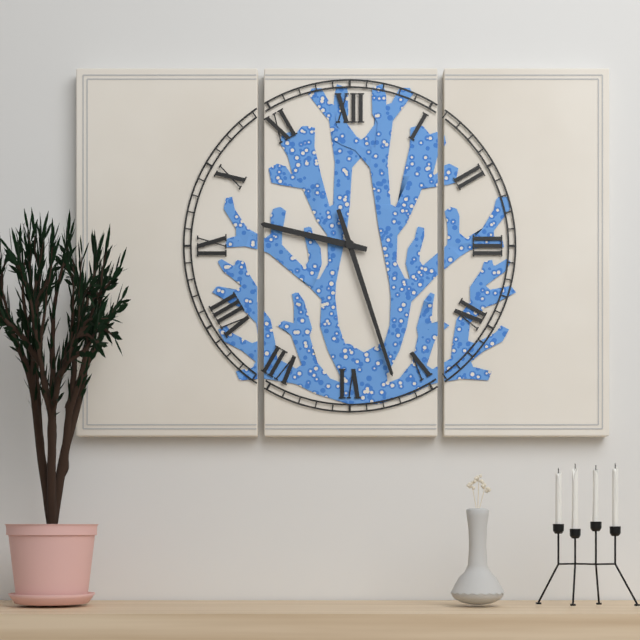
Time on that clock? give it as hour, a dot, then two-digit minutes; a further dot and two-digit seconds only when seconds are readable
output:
9.27
